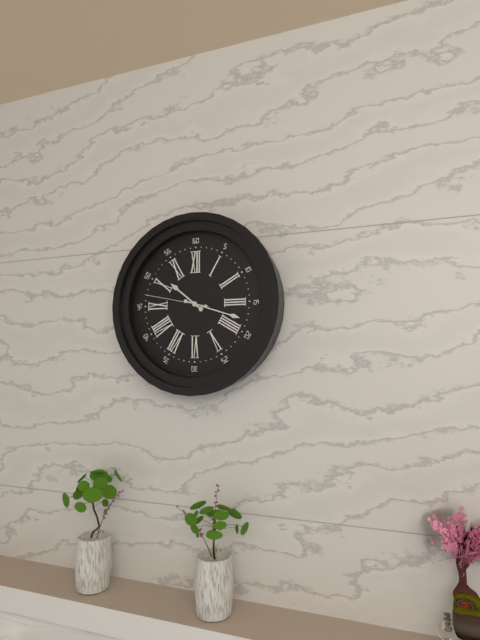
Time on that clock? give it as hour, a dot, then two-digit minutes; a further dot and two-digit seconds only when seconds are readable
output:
10.18.47
